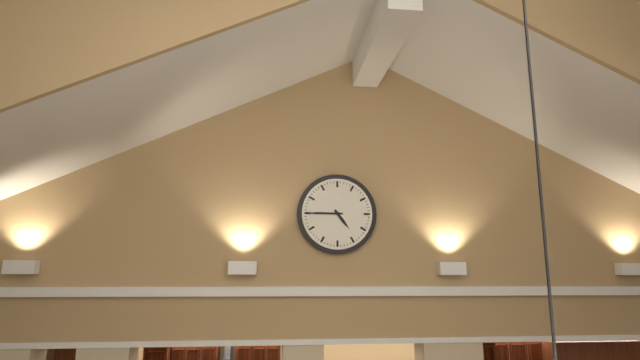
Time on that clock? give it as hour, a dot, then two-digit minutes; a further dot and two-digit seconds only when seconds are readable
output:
4.45
